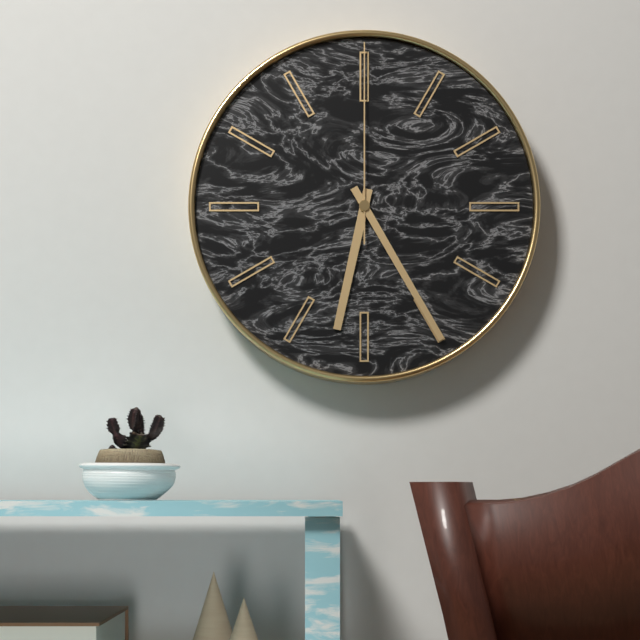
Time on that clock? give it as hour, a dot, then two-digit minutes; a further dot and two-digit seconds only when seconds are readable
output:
6.25.00
